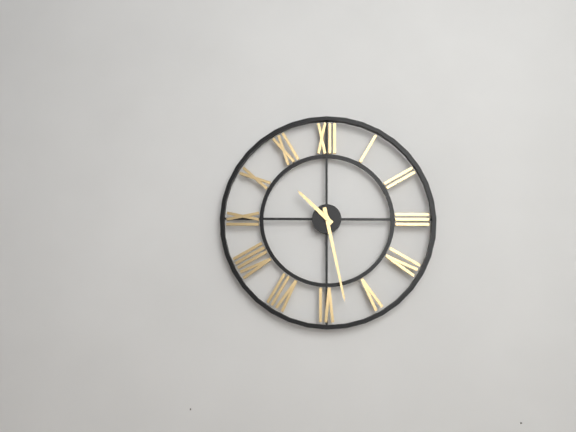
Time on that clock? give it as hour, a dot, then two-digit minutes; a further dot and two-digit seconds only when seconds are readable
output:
10.28
